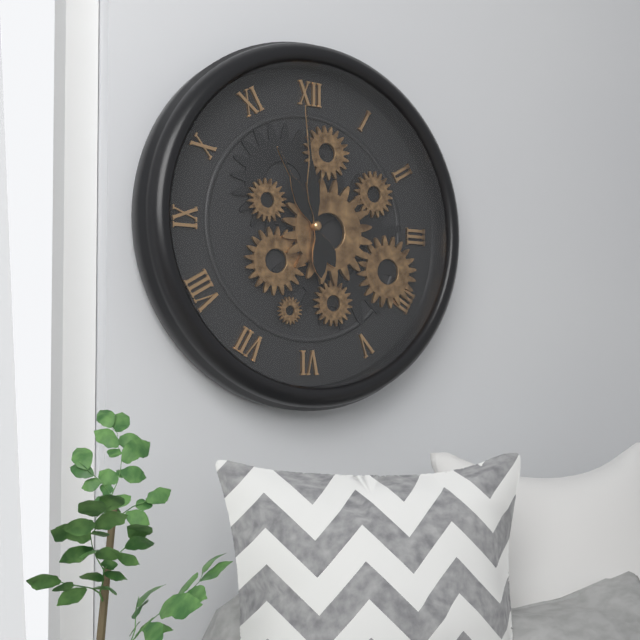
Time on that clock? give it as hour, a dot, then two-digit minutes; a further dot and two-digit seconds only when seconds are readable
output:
10.59
